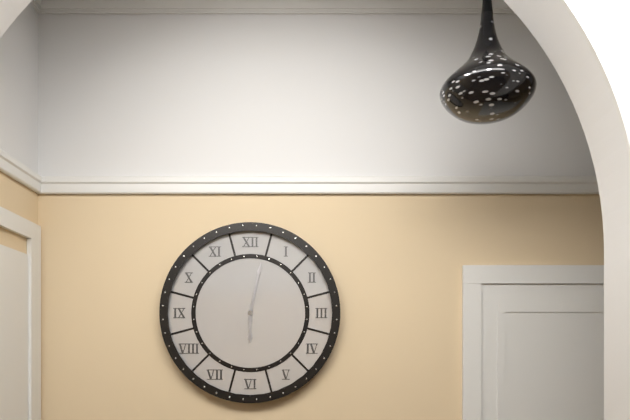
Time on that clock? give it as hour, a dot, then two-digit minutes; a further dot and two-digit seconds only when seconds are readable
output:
6.02
